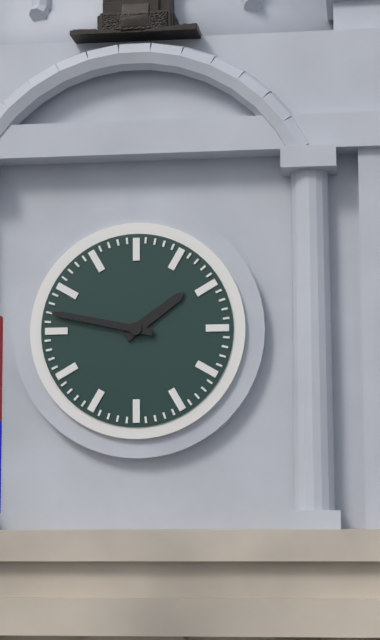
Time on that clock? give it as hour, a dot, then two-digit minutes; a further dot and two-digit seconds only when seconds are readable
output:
1.47
